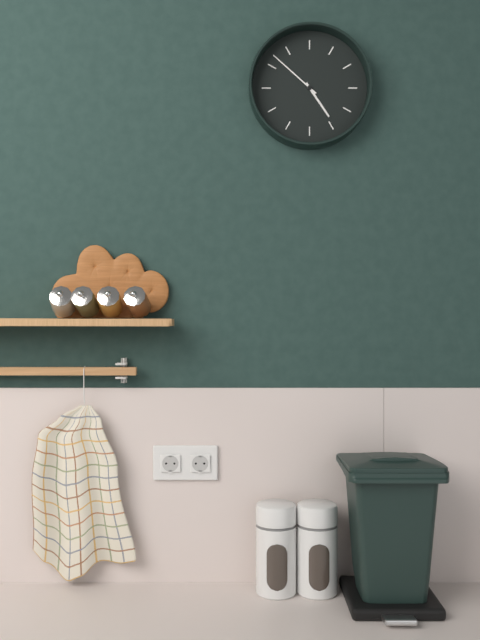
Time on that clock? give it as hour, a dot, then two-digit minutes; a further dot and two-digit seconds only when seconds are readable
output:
4.52
